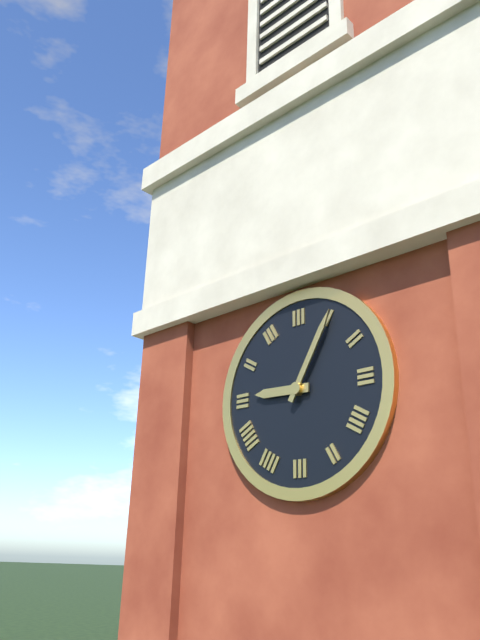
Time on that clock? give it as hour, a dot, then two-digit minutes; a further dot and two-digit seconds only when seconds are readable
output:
9.05
